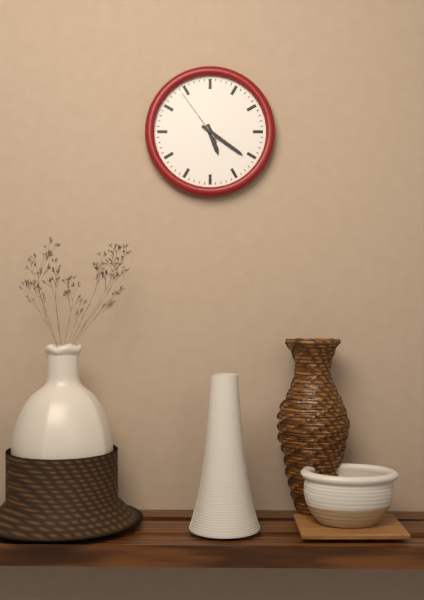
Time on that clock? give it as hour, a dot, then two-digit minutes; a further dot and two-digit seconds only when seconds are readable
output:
5.21.54
